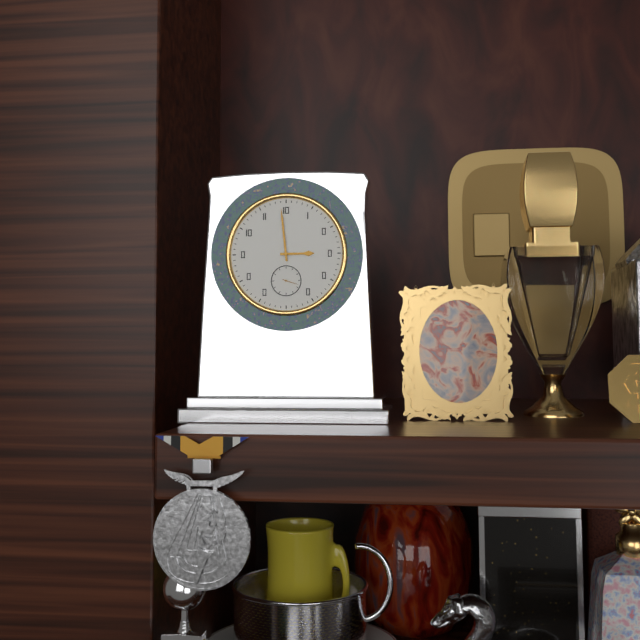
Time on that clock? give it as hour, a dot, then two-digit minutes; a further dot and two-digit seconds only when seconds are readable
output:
2.59
